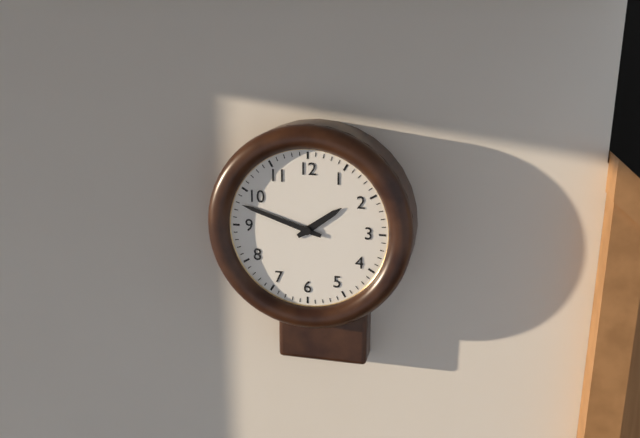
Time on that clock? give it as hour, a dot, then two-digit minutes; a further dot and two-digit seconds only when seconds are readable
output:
1.48
